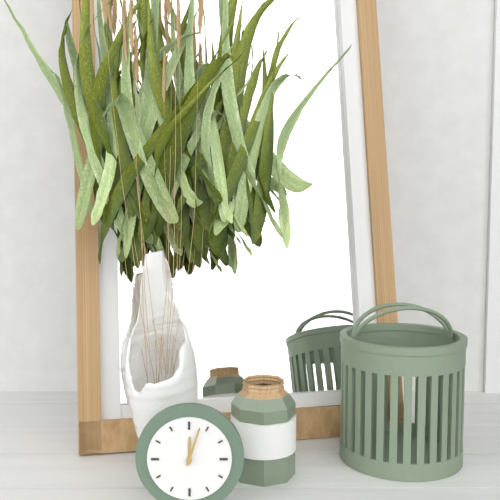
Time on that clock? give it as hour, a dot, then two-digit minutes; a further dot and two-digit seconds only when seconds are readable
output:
12.03
